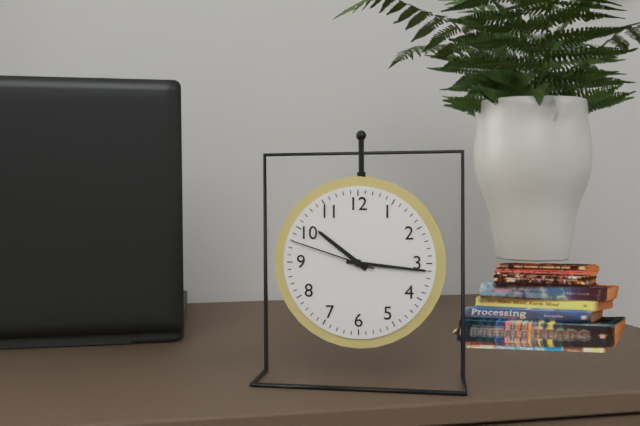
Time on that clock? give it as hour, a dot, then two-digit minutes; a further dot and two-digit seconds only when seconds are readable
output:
10.16.48
